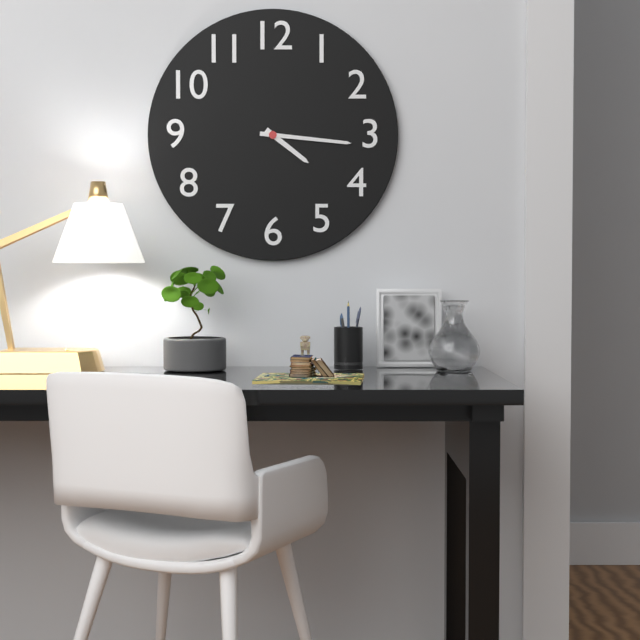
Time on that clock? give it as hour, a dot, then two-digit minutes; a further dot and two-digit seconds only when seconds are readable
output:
4.16
